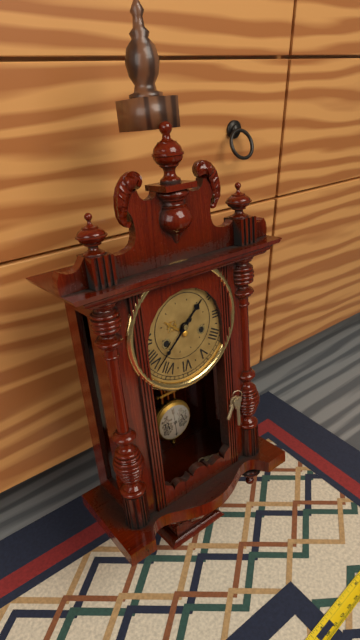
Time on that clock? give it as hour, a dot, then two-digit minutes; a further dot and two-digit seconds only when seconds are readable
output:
1.38
